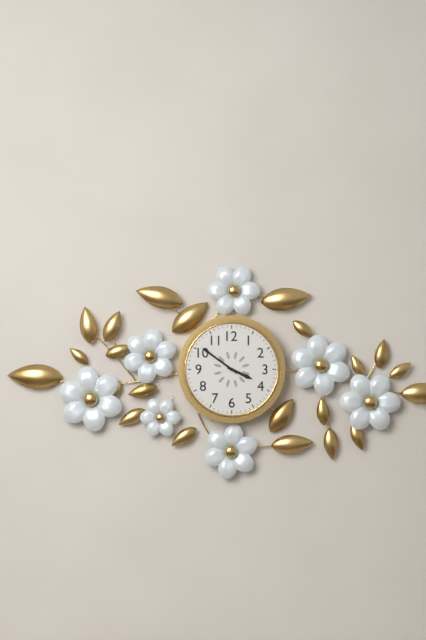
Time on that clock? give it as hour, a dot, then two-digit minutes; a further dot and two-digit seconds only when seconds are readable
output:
3.51
